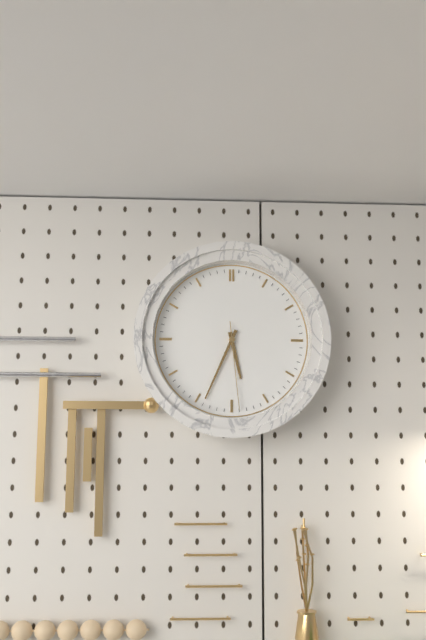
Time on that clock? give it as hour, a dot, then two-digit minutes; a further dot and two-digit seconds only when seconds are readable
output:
5.34.29
